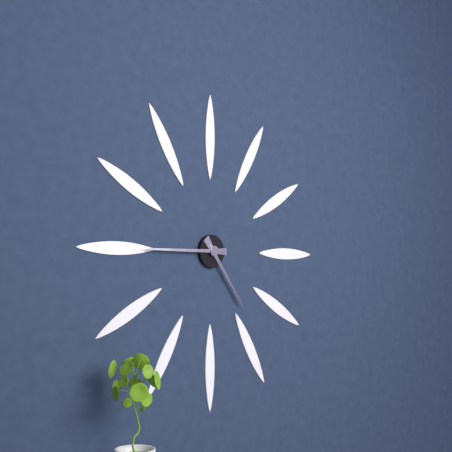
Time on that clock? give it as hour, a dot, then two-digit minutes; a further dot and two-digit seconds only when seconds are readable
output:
4.45
